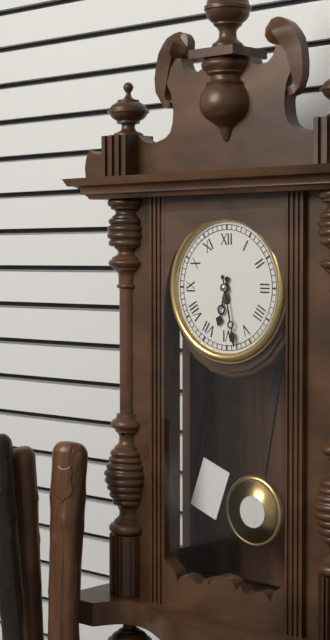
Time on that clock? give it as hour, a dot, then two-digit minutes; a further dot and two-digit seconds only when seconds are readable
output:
6.28
